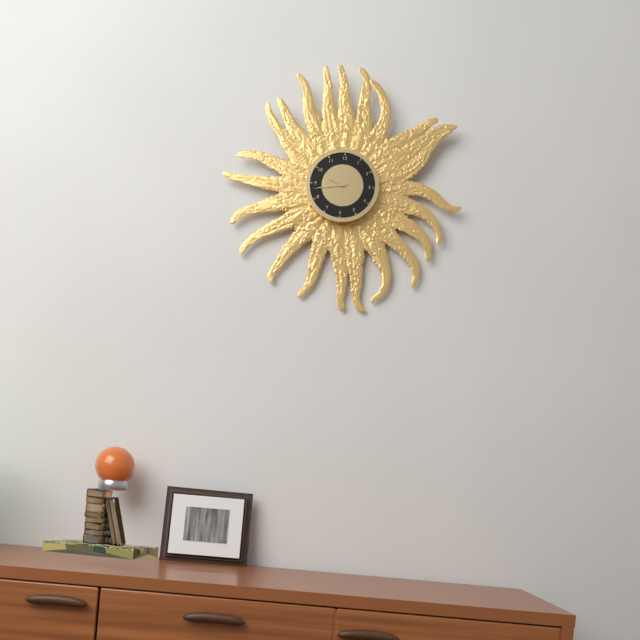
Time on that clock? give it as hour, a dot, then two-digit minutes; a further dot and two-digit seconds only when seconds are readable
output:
9.43
